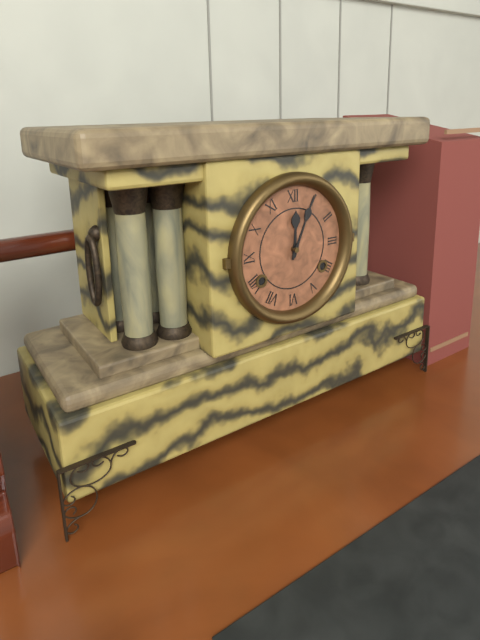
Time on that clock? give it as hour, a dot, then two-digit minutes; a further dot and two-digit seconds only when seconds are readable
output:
12.04
